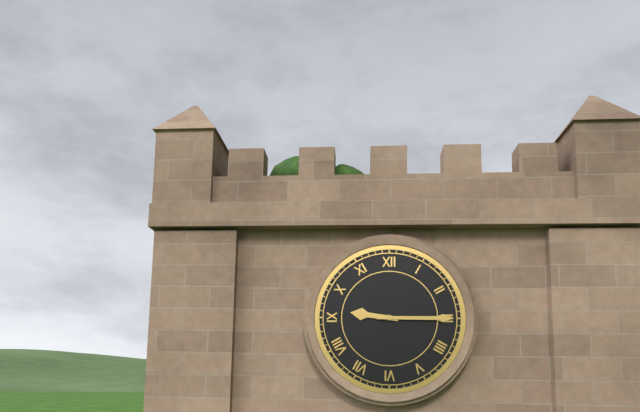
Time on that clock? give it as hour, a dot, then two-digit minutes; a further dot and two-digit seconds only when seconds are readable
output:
9.15
